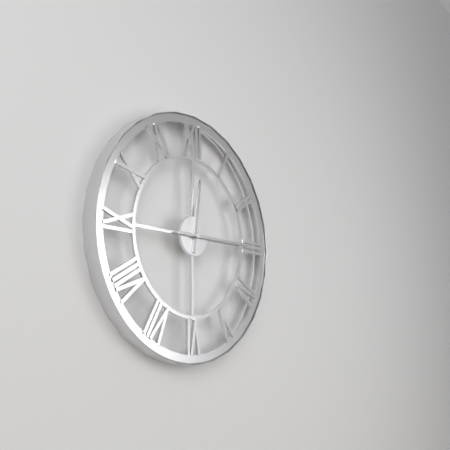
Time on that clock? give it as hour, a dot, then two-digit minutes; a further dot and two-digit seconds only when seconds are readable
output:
12.15
